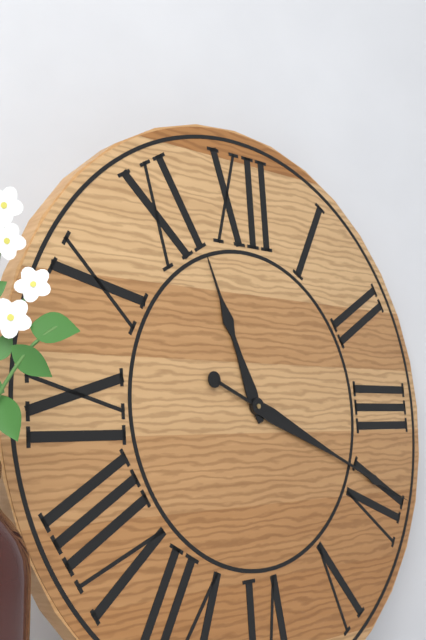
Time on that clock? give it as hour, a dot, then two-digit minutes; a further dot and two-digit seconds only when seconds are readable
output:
11.19
